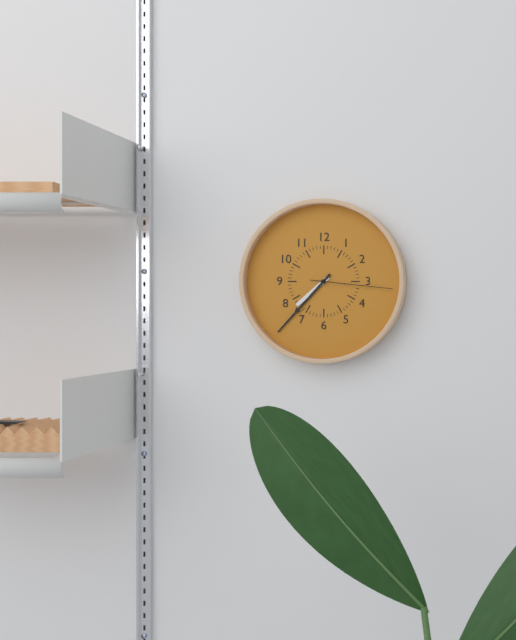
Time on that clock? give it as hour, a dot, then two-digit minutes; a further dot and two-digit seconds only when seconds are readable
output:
7.37.16
